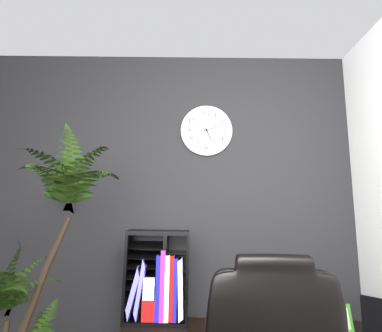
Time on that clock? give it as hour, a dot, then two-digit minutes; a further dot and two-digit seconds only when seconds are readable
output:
5.12
